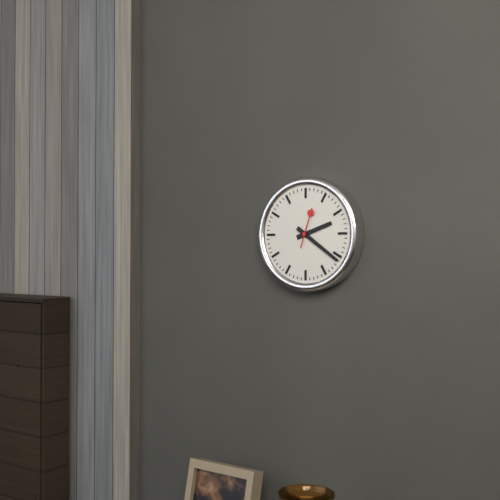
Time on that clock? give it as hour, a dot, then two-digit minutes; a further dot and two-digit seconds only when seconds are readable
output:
2.21
